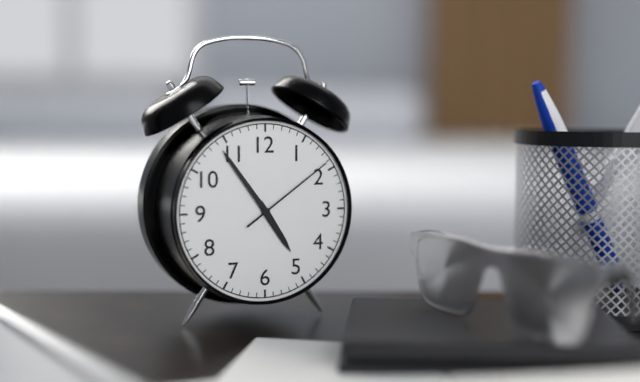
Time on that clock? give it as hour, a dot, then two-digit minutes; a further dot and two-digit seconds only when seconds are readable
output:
4.54.09
